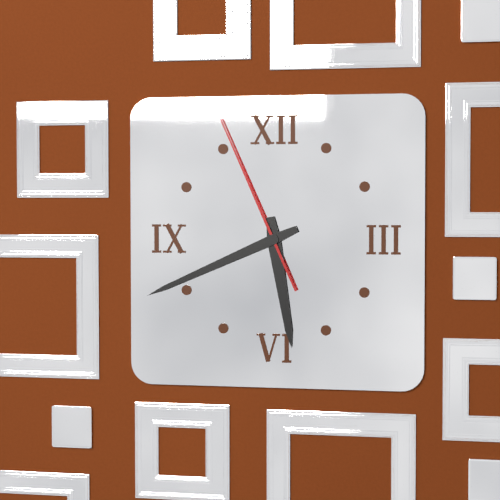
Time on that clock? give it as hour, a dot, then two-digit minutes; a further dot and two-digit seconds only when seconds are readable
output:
5.41.56
